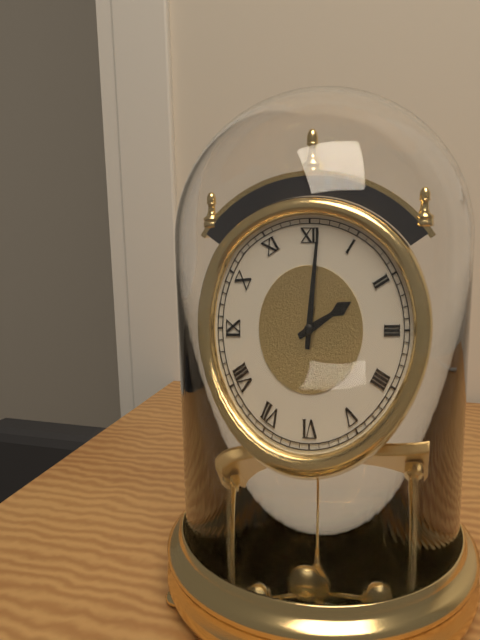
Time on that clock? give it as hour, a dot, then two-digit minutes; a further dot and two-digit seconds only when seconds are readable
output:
2.01
